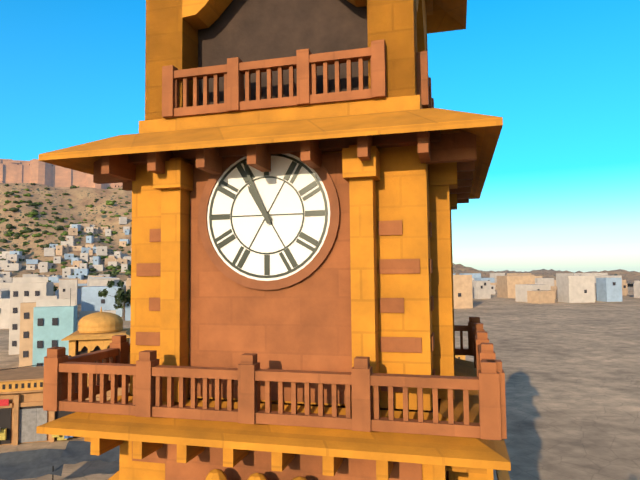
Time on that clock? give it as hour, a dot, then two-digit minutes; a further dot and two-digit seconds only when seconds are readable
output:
10.56
